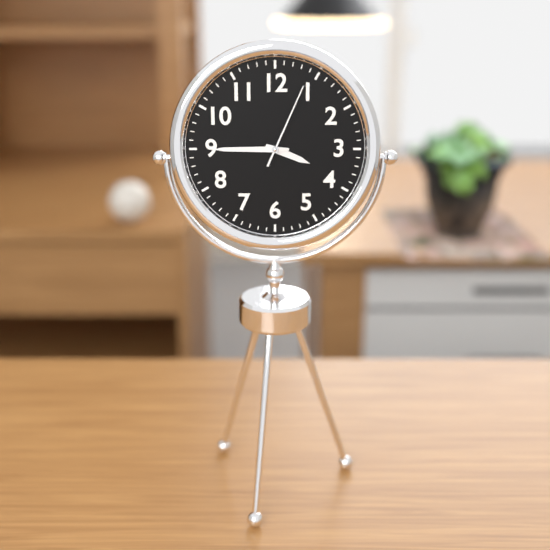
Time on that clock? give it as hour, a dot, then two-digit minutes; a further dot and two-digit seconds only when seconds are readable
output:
3.45.04
